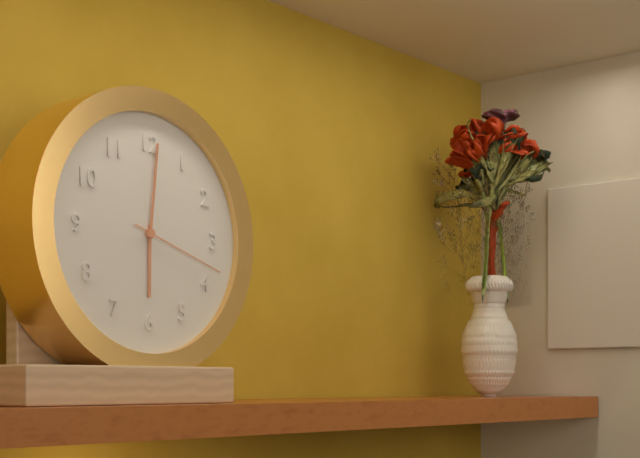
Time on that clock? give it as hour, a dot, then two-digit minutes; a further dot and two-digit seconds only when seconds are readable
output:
6.01.18
